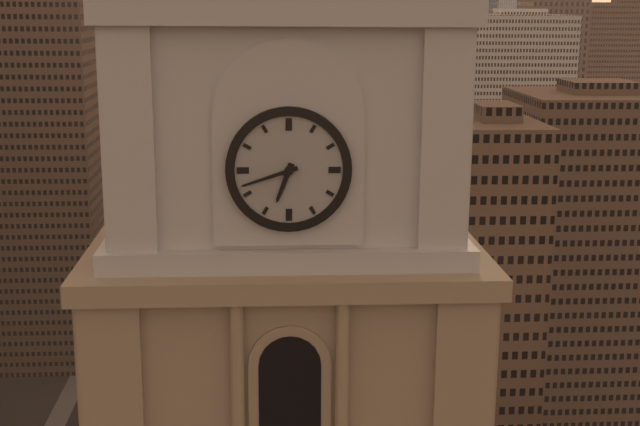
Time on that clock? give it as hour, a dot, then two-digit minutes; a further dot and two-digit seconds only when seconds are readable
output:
6.42
